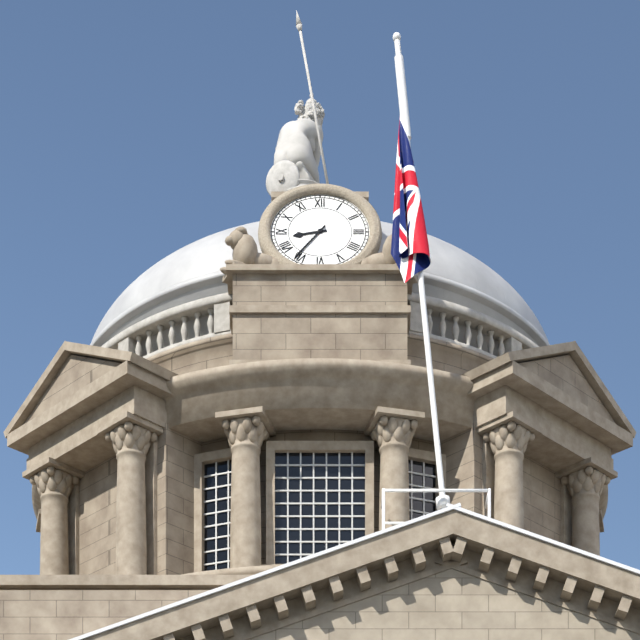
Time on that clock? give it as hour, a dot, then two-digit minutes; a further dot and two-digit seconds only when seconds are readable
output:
8.36
